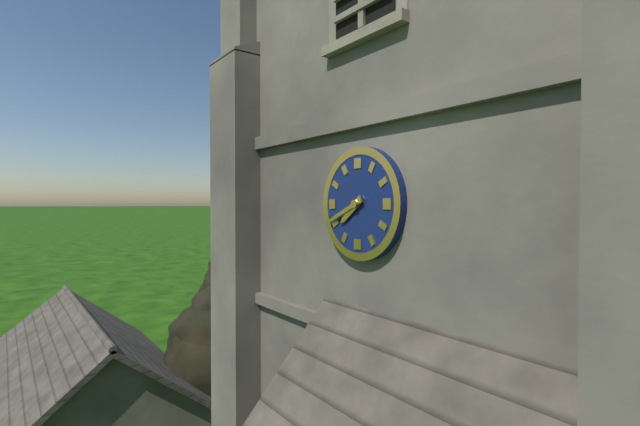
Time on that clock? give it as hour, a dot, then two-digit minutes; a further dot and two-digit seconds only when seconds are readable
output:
7.41
